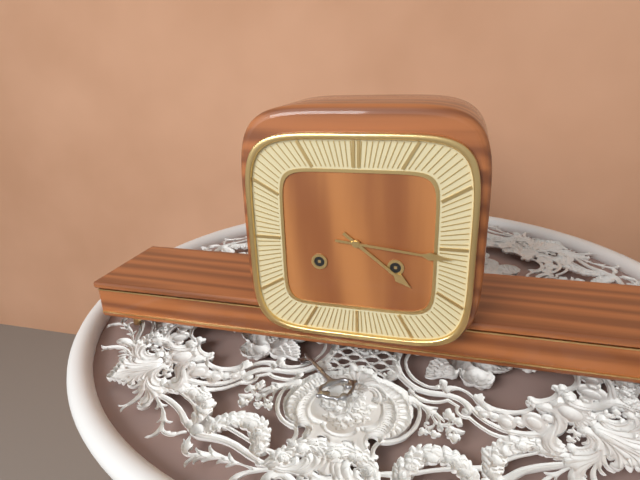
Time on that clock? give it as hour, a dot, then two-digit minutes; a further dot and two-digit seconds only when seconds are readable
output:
4.16
